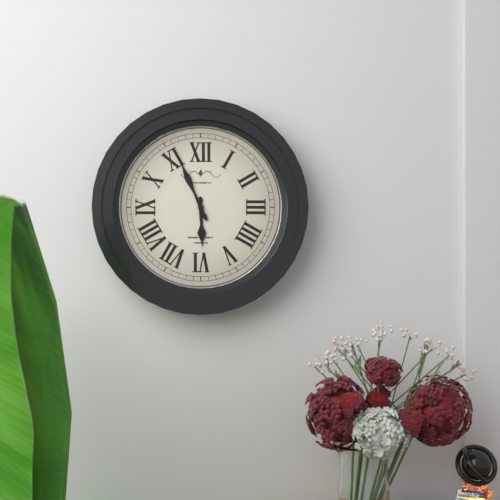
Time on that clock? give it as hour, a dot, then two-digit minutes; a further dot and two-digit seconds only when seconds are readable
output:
5.56
